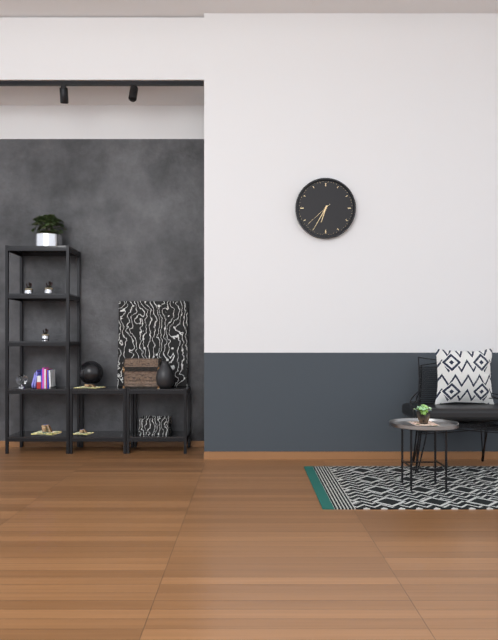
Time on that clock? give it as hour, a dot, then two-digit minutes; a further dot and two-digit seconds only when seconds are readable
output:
6.35
